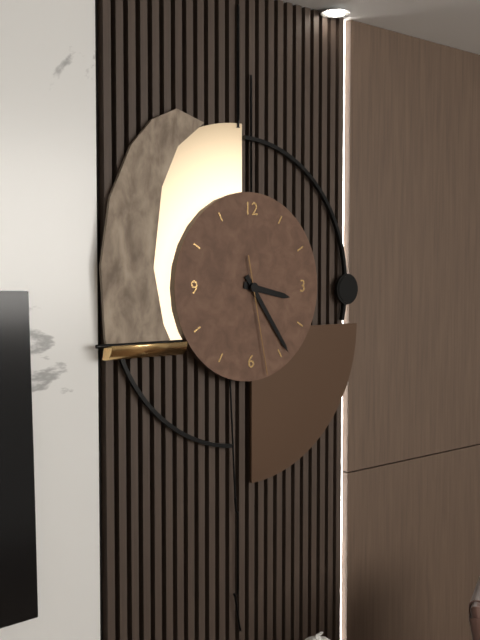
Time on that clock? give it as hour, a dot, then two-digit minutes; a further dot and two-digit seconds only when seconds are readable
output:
3.24.28
